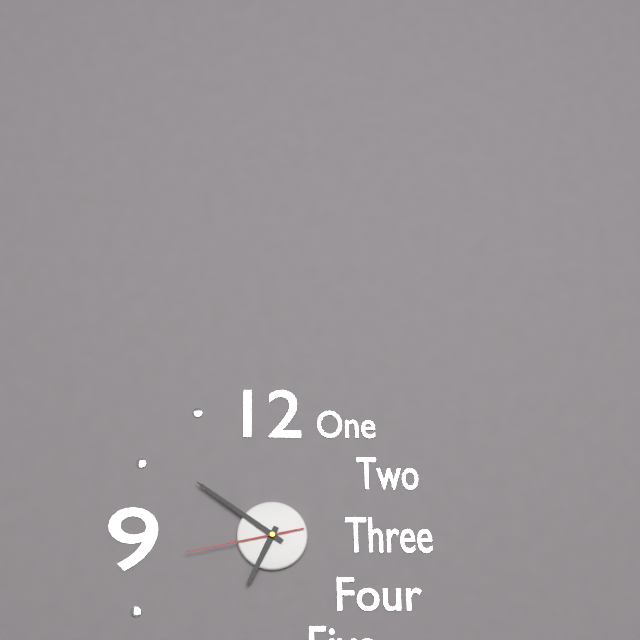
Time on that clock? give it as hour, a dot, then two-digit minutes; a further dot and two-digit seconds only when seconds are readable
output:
6.51.43
